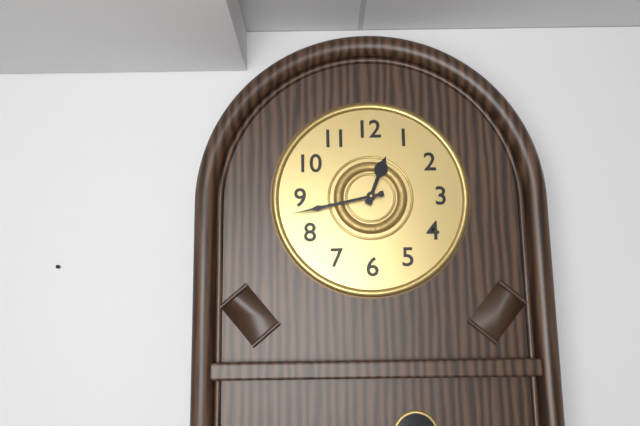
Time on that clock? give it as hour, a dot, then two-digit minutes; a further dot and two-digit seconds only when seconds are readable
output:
12.43
